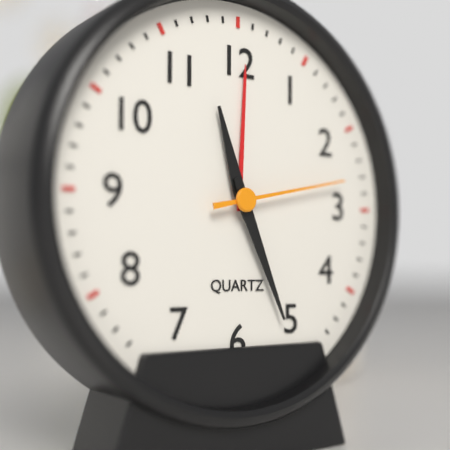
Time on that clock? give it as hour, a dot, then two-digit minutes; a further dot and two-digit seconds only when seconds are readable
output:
11.26.13
